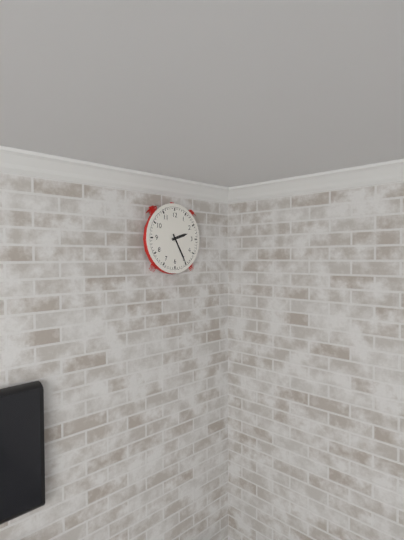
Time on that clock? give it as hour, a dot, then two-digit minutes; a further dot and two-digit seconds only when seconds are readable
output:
2.25
